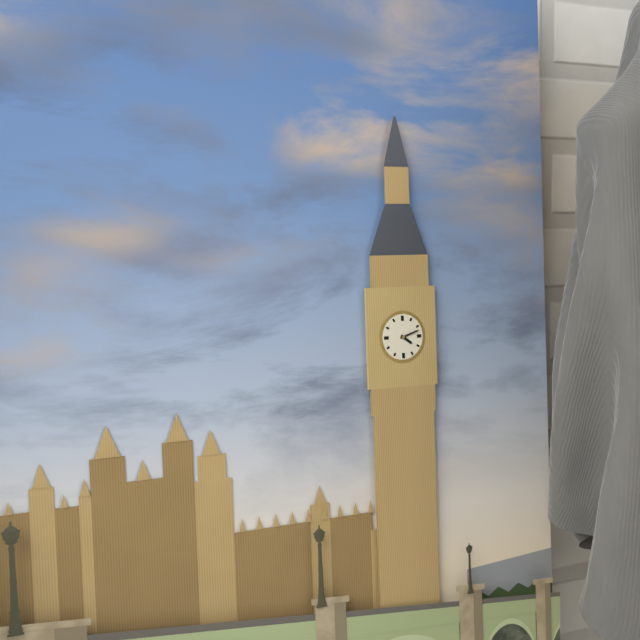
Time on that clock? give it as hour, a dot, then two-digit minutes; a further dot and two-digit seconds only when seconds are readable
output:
4.12
